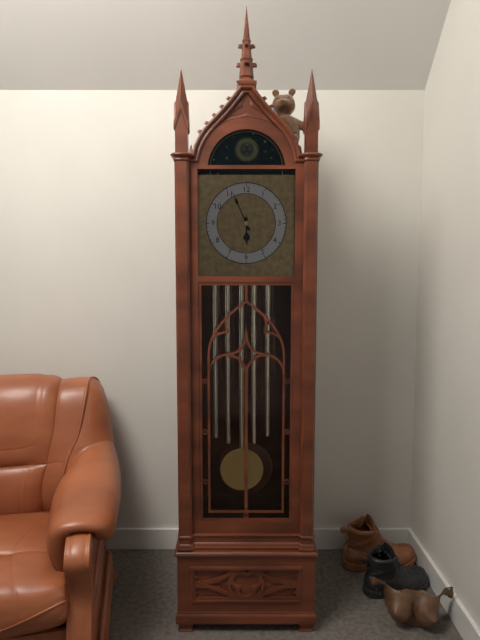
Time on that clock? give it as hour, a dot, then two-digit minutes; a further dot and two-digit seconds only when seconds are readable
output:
5.56
